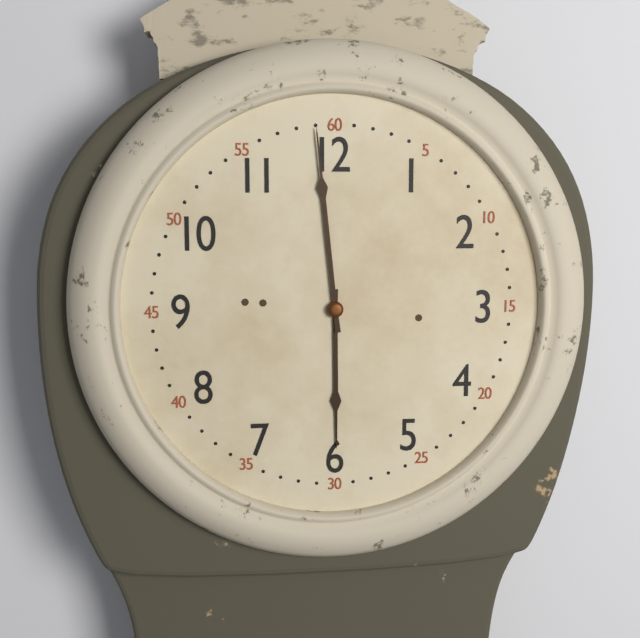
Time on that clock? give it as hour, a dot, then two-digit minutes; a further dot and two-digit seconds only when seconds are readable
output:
5.59
